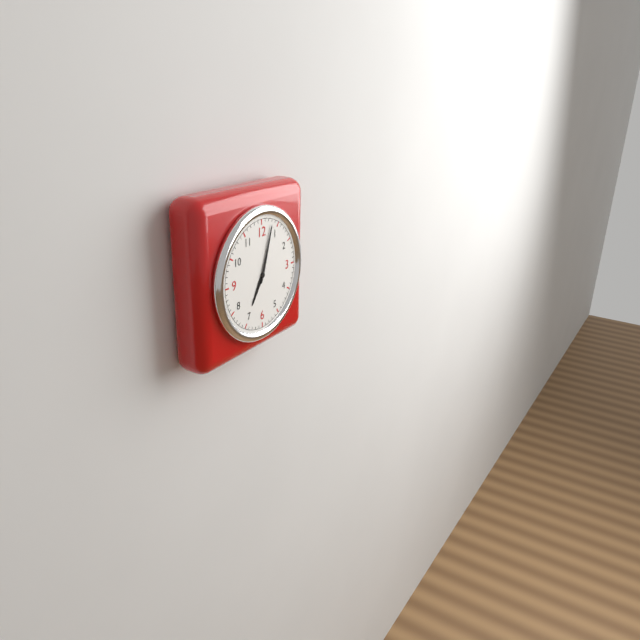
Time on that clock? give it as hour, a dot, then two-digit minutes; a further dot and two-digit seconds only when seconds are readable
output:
7.03
